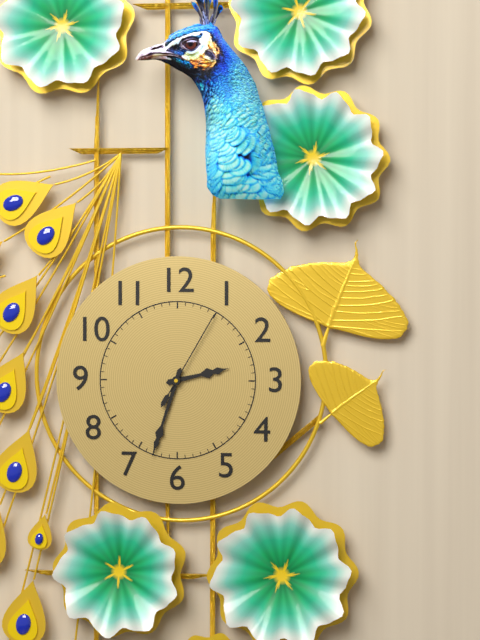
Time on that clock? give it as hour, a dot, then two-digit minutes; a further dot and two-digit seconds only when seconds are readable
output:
2.33.05
